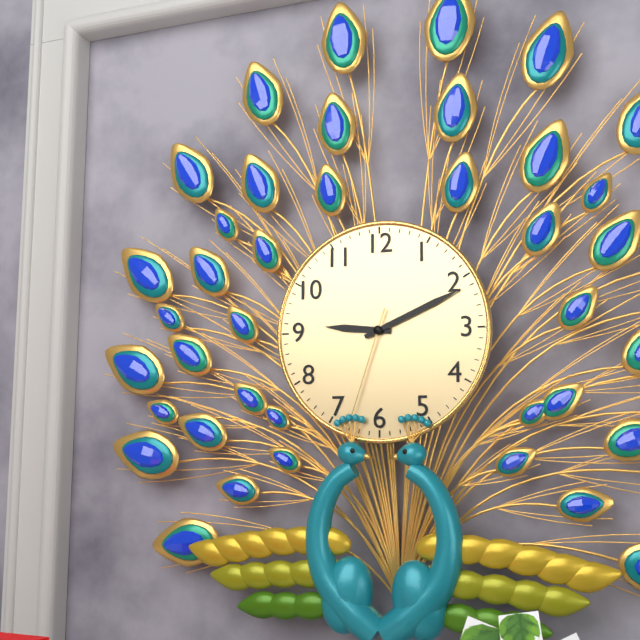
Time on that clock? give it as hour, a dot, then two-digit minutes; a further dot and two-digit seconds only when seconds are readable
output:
9.11.33
